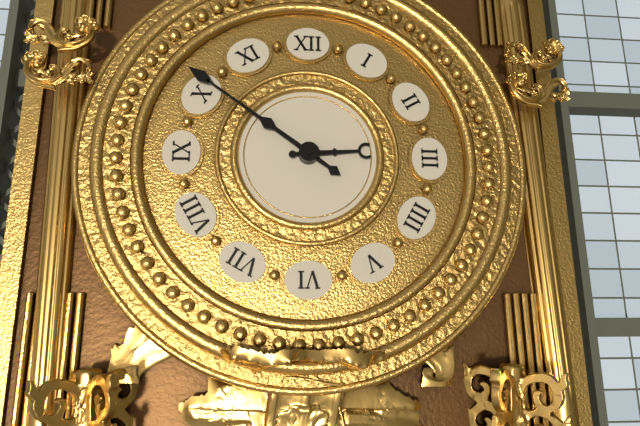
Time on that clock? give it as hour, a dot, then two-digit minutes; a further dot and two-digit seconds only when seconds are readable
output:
2.51
